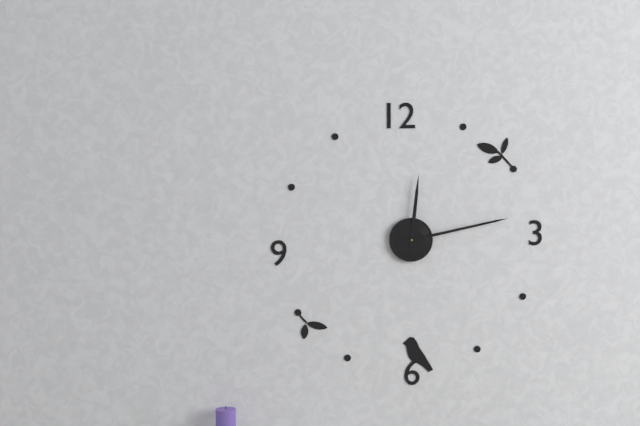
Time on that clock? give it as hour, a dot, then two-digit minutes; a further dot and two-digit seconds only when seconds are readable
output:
12.13
